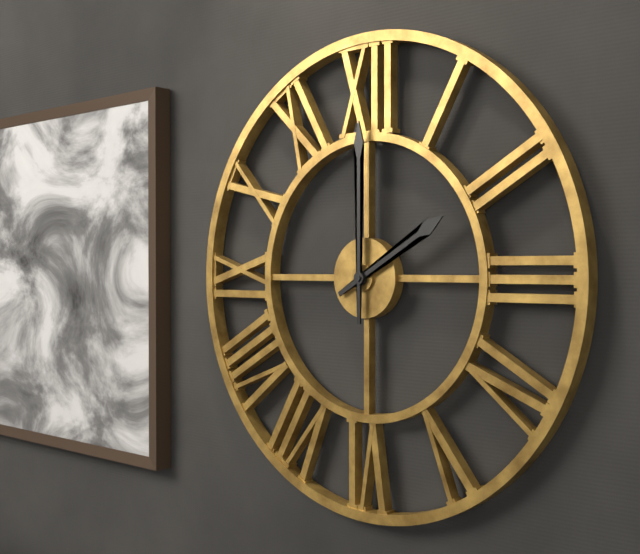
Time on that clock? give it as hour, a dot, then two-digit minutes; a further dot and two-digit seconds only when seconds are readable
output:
2.00
